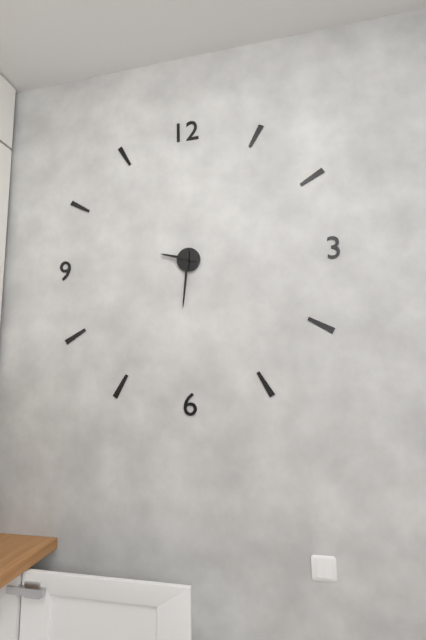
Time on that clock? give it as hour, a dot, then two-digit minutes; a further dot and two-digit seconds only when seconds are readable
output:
9.31
